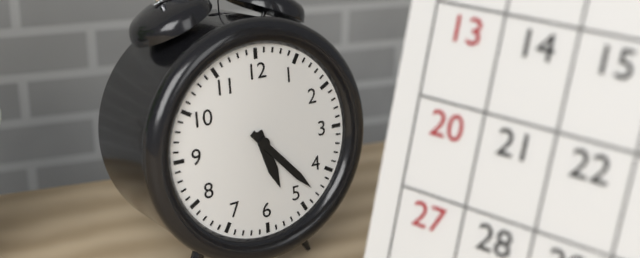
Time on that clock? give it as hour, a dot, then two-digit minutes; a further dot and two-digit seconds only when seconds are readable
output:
5.23
